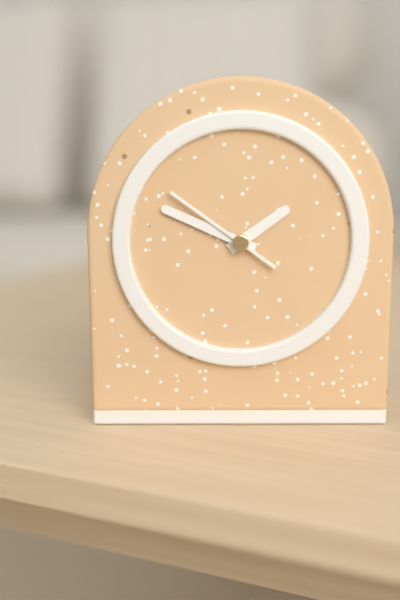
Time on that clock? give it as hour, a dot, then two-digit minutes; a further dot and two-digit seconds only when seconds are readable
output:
1.49.51
